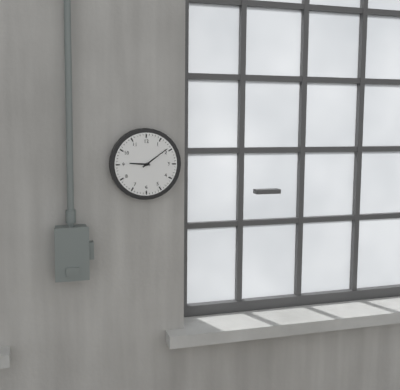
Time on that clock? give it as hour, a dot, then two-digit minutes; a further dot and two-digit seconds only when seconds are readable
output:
9.09
